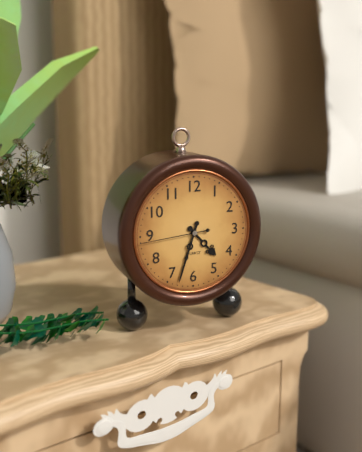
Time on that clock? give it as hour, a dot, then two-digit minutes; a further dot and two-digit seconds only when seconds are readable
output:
4.33.44
